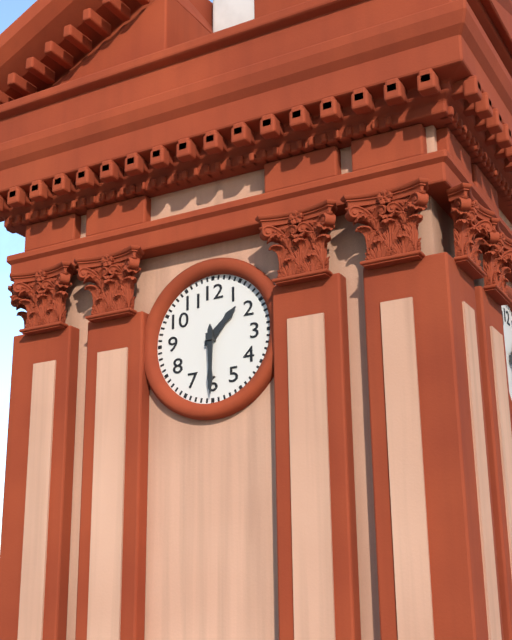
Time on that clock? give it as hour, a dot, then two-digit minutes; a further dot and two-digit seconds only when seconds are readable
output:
1.30
